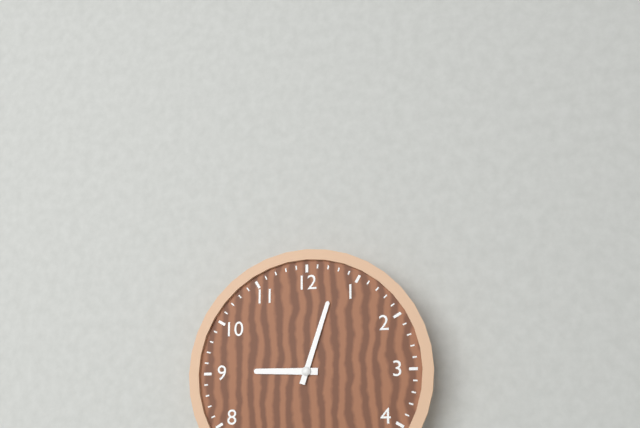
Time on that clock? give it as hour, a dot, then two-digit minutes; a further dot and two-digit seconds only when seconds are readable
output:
9.03
